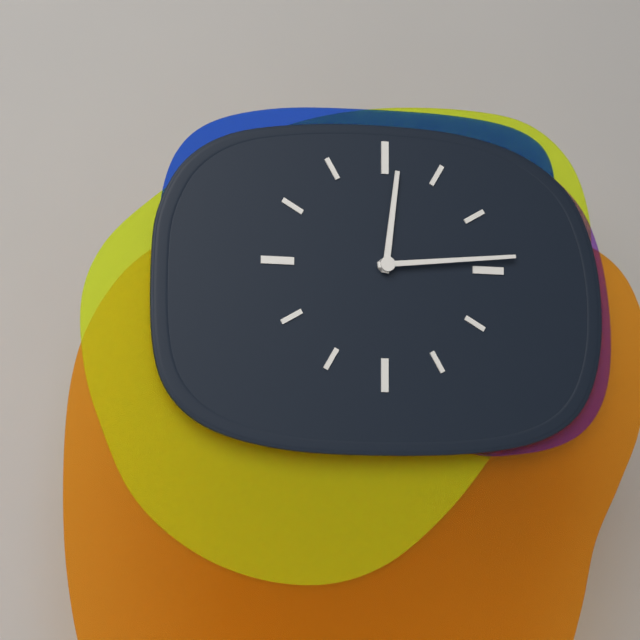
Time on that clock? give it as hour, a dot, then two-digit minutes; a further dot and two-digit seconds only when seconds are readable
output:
12.14
